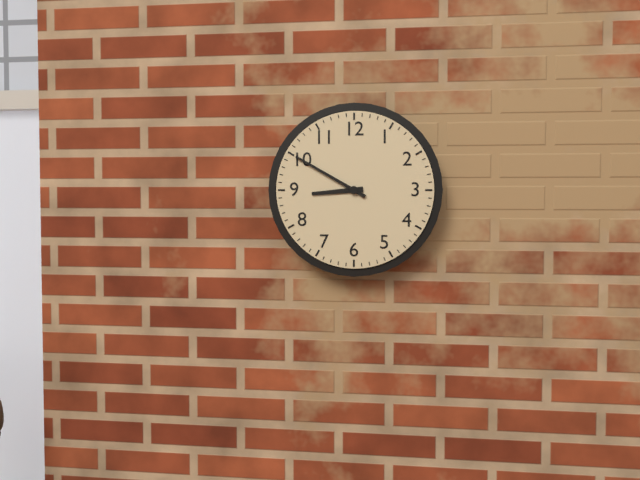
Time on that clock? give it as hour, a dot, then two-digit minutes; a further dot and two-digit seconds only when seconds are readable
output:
8.50
